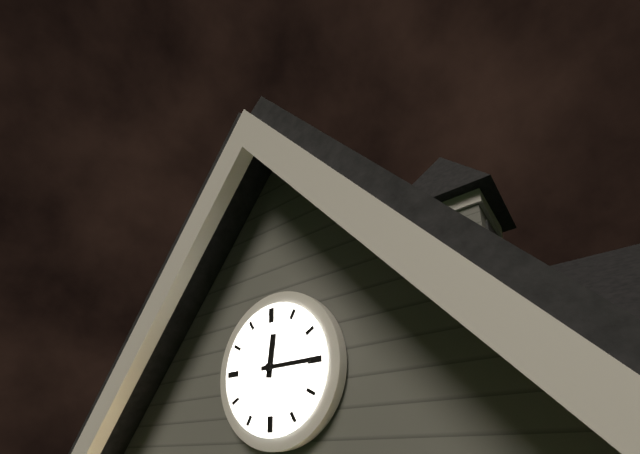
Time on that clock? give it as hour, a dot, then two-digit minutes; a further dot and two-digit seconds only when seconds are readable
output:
12.15
